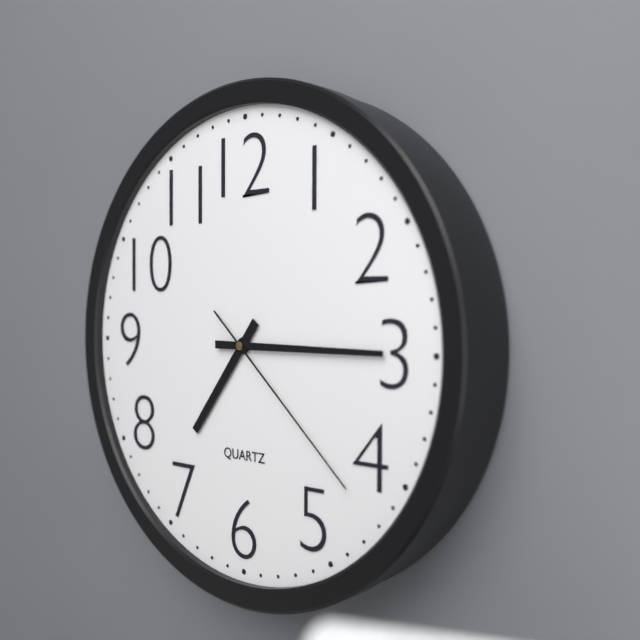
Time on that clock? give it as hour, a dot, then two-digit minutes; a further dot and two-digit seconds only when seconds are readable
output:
7.15.22
